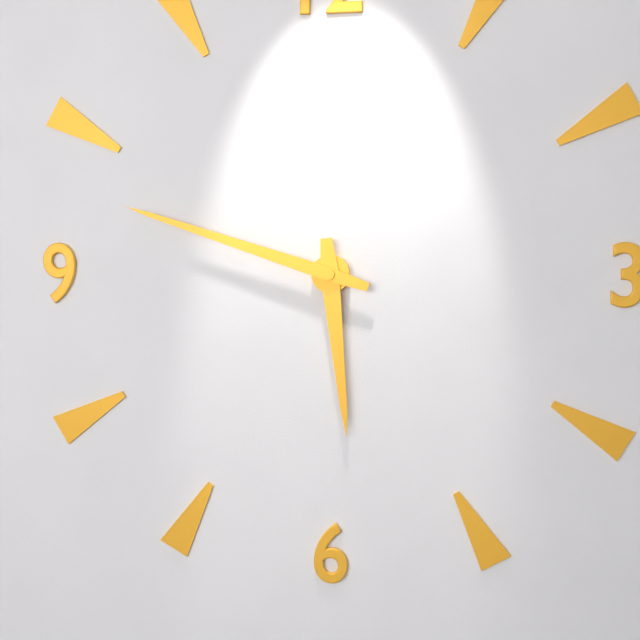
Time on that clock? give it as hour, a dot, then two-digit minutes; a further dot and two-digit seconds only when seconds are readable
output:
5.48
